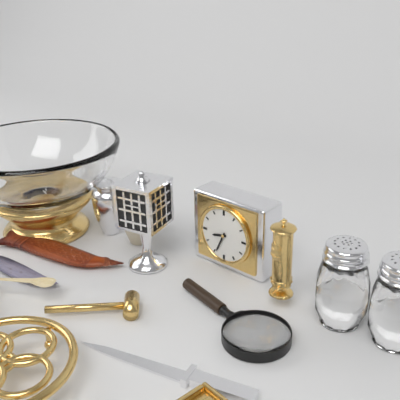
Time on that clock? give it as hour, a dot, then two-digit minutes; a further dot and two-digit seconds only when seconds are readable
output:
8.34
